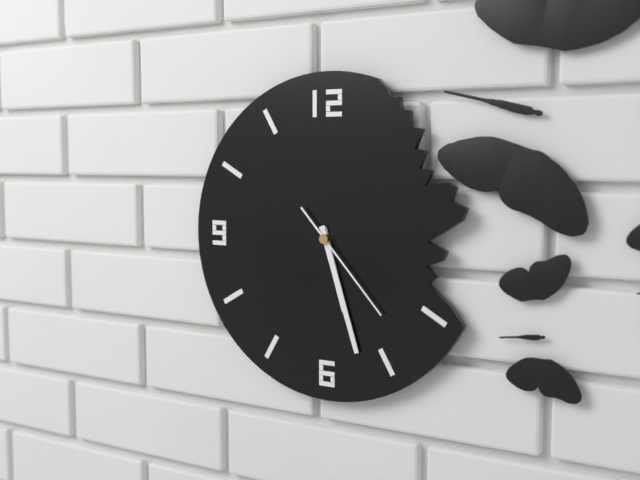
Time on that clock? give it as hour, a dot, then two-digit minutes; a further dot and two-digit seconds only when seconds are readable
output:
5.27.23
